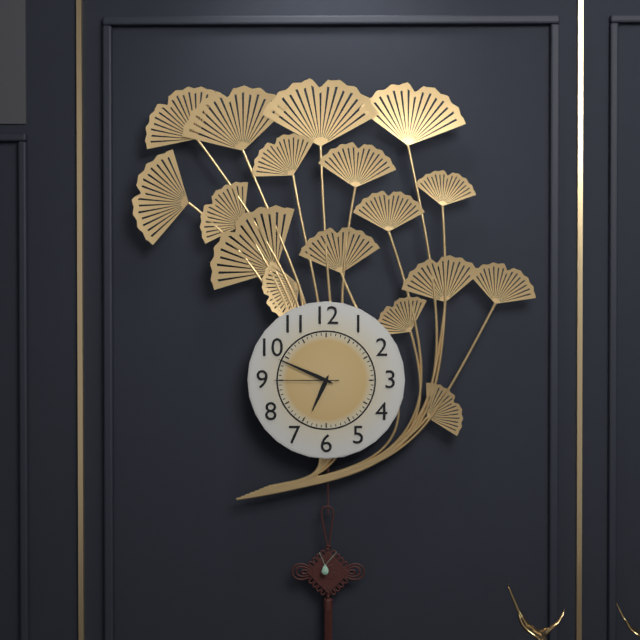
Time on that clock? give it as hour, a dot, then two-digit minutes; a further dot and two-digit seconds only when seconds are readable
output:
6.49.45
